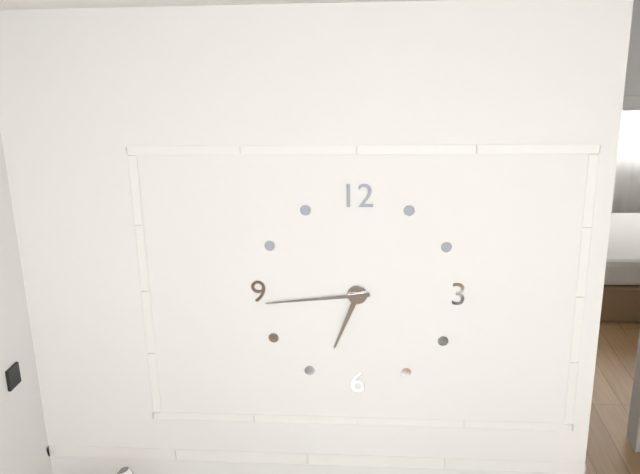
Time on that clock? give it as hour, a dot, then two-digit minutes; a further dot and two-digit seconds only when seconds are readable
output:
6.44
